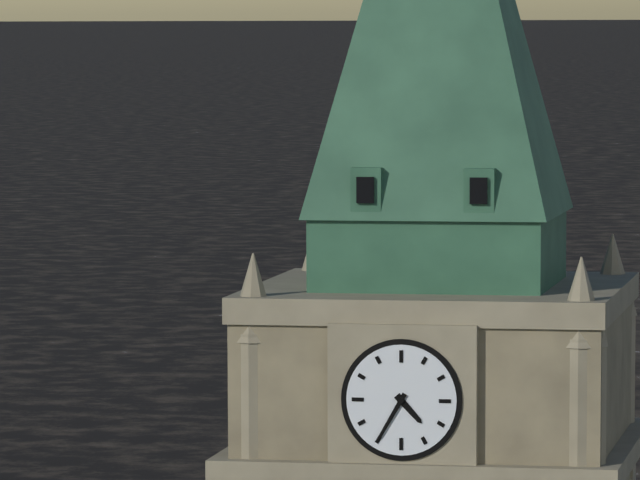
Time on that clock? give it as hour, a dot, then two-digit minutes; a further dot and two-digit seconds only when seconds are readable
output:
4.35
